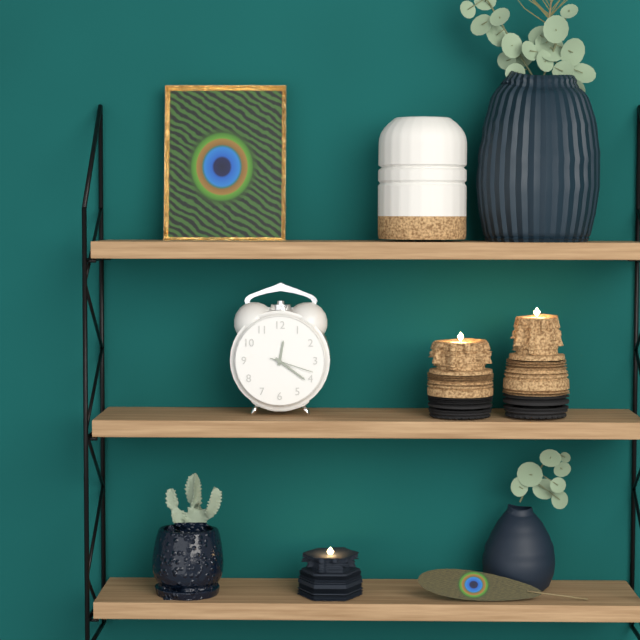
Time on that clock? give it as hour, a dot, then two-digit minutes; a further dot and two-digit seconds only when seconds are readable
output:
12.21
